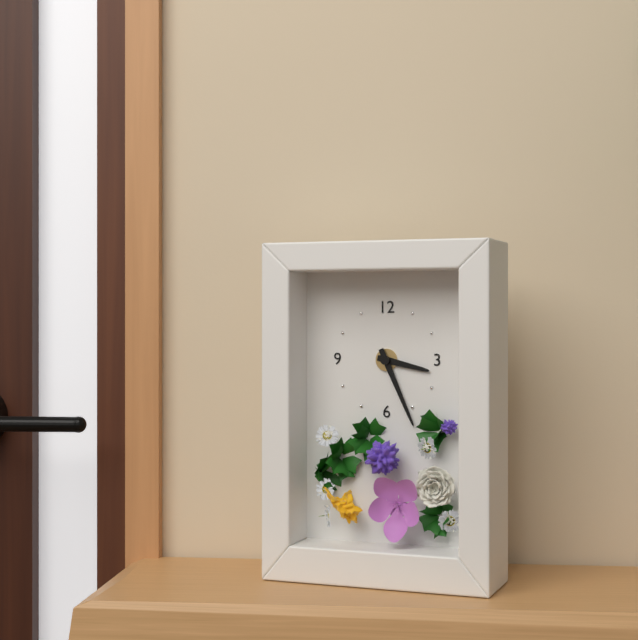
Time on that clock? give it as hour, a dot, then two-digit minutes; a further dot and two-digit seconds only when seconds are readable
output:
3.26
